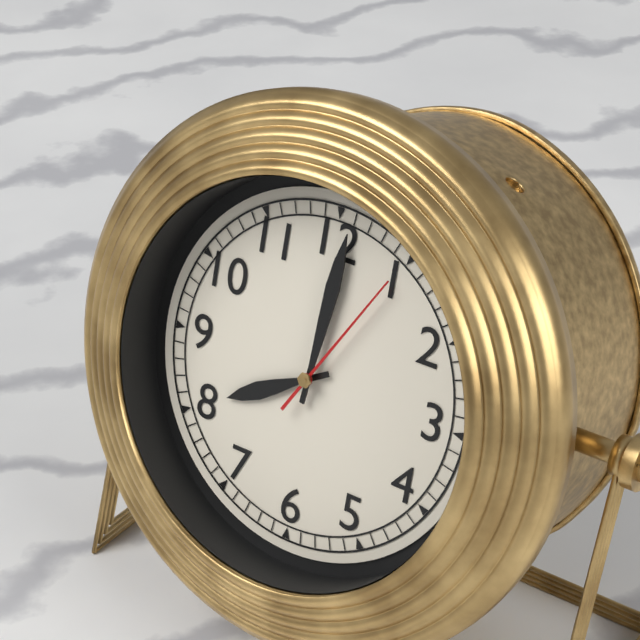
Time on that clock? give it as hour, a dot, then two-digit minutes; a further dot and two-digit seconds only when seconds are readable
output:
8.01.05
